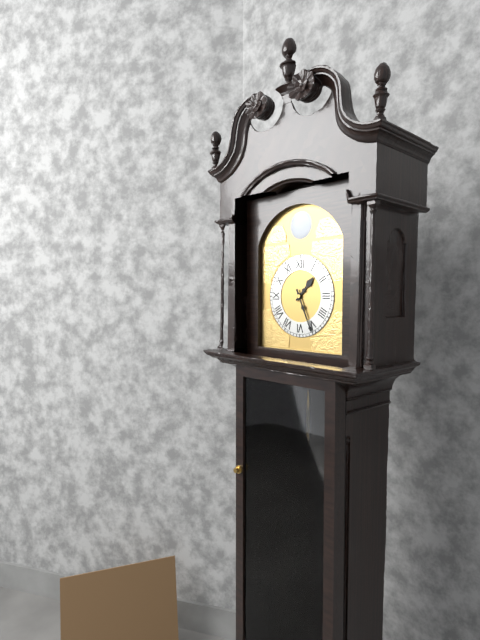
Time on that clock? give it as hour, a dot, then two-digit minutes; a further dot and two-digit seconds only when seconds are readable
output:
1.26
